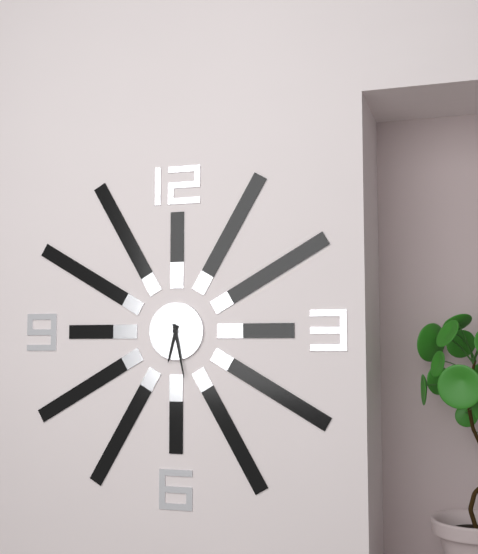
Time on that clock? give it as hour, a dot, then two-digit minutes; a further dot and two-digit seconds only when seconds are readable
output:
6.28
